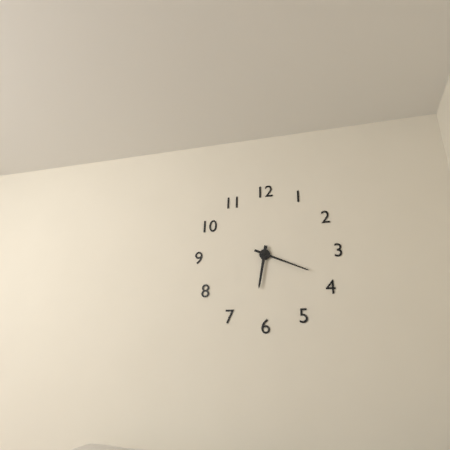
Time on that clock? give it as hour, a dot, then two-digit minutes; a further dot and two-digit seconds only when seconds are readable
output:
6.19
